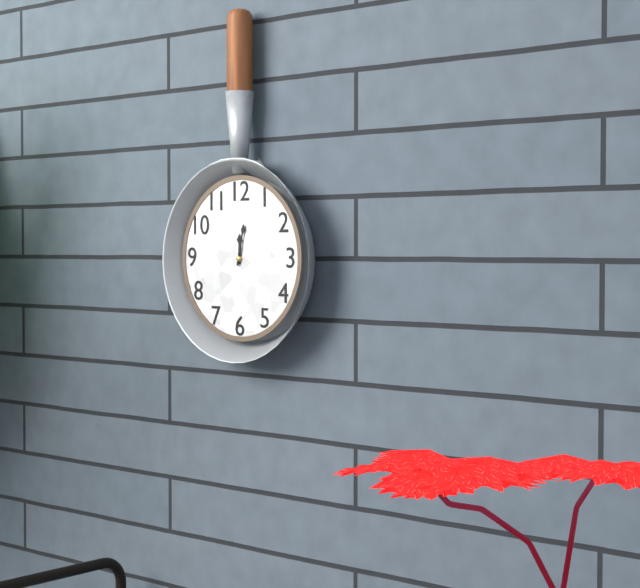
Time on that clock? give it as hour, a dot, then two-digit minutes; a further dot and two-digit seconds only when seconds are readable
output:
12.02
